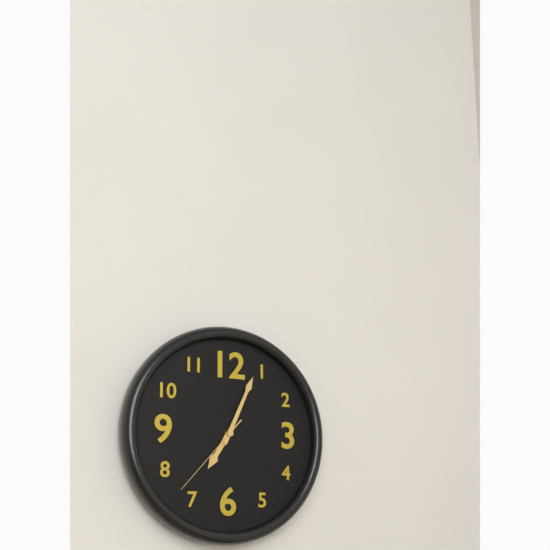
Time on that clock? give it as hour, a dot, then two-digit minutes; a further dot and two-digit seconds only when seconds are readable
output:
7.04.37
